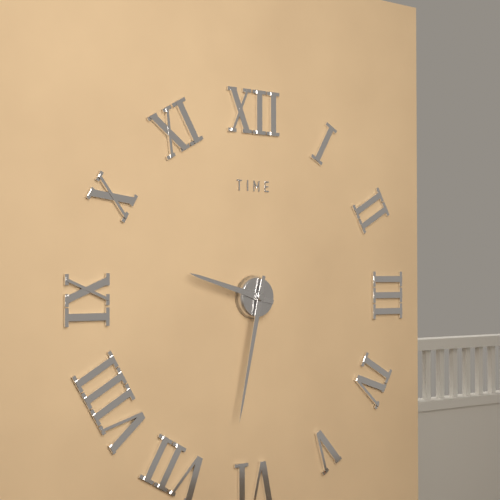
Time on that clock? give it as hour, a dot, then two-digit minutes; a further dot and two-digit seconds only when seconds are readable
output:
9.32
